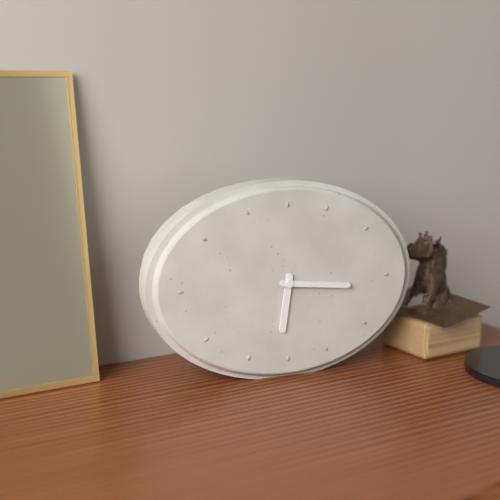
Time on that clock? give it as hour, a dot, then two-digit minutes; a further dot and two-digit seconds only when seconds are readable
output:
6.16
